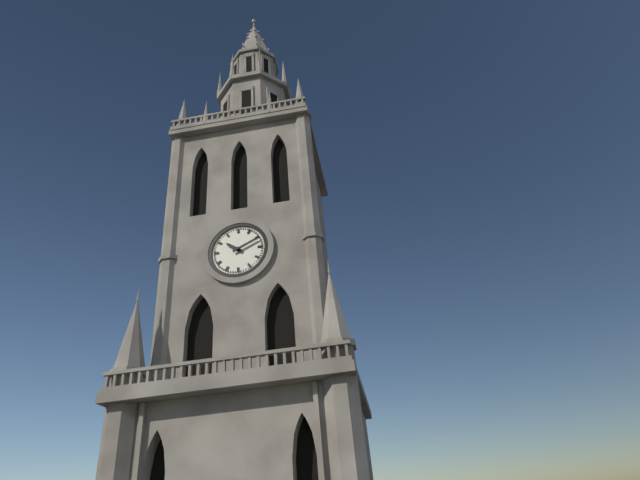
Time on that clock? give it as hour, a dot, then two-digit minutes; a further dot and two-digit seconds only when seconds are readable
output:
10.11
